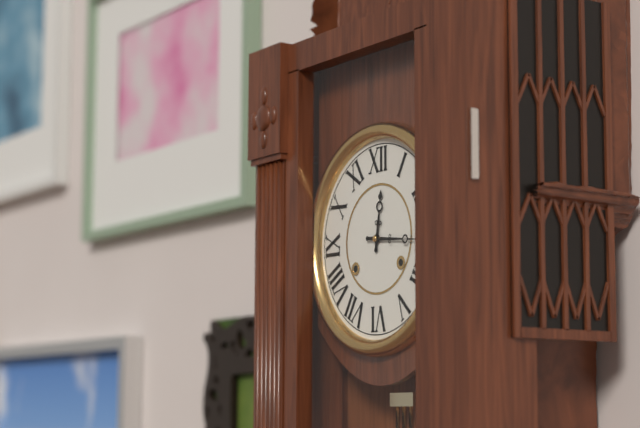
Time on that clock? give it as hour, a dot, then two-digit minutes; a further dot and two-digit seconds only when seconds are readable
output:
12.16
